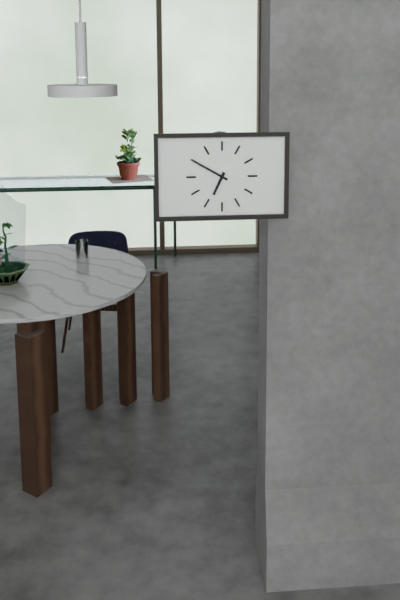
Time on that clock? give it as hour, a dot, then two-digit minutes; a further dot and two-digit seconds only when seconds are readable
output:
6.50
